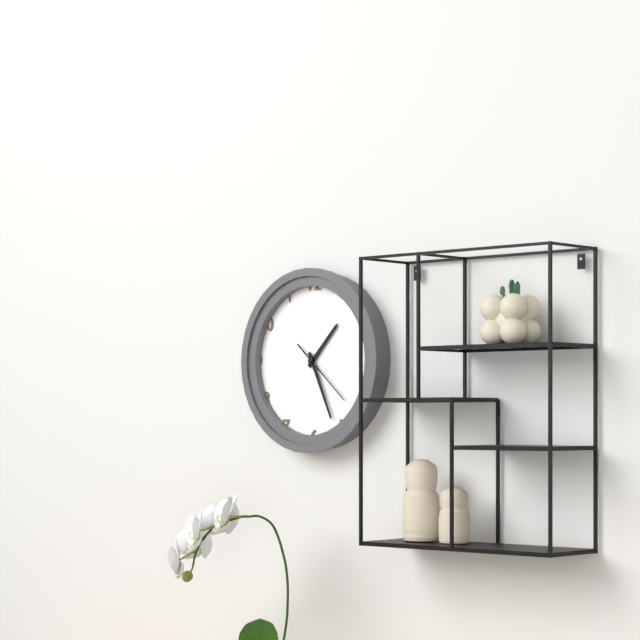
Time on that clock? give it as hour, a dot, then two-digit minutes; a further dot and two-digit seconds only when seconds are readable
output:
1.26.22
